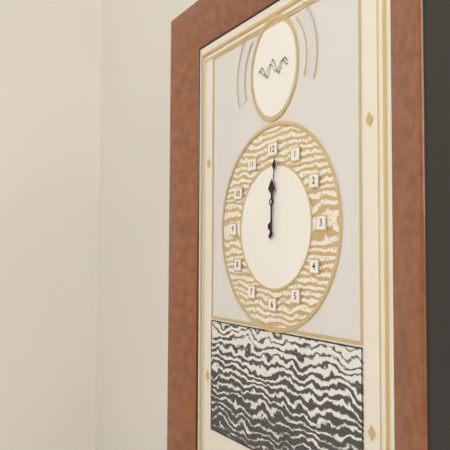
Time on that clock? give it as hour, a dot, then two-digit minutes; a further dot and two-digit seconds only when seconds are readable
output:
12.01
